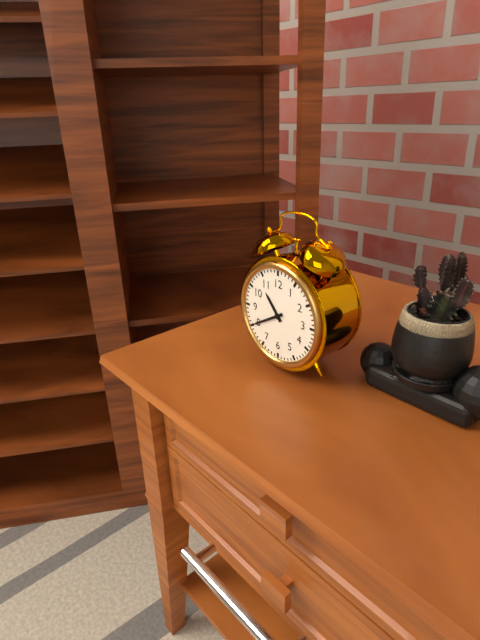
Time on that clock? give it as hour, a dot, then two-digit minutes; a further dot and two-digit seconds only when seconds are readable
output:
10.40
